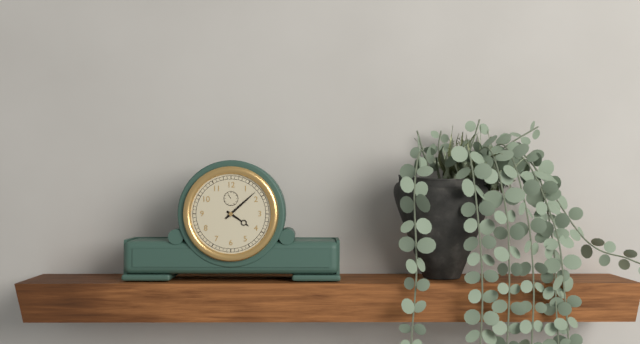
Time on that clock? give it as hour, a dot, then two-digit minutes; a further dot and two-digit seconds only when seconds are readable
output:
4.08
